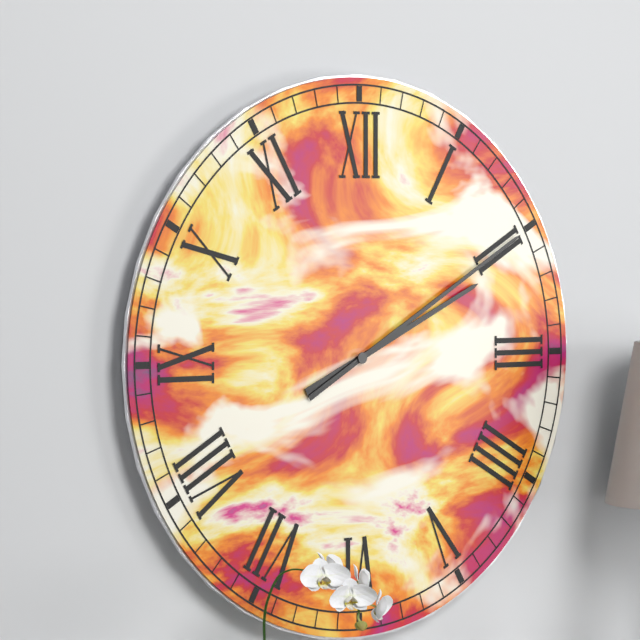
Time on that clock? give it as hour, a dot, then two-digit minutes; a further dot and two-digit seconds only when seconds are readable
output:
2.10
